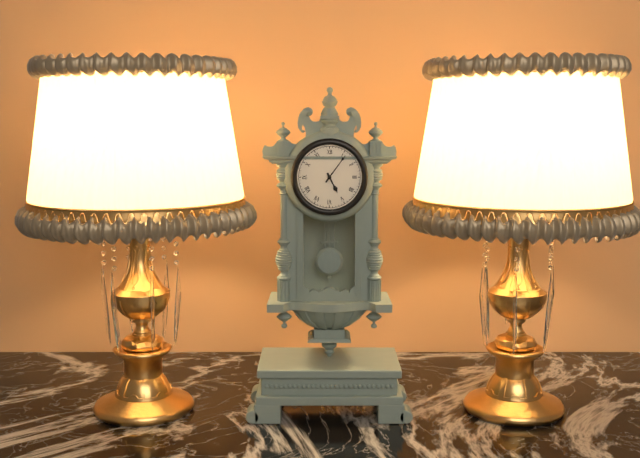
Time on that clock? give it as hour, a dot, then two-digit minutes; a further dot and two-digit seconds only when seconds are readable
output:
5.06
